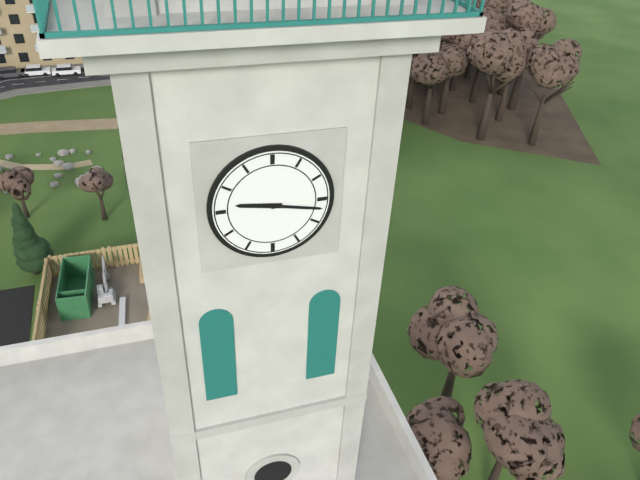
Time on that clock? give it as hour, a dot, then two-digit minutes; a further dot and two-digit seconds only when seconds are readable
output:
9.17
